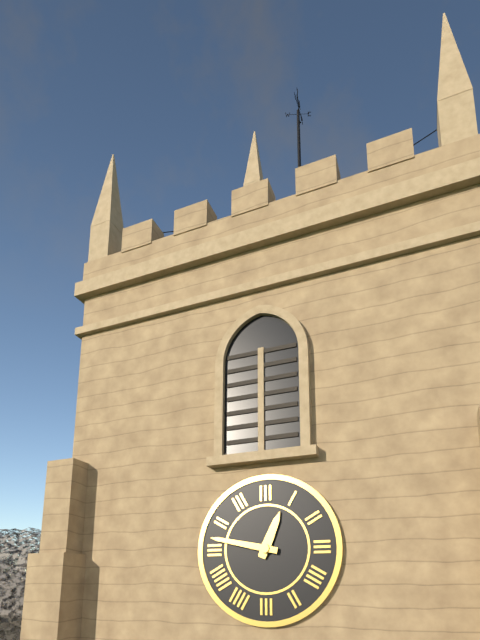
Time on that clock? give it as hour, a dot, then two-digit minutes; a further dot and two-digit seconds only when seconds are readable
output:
12.47
